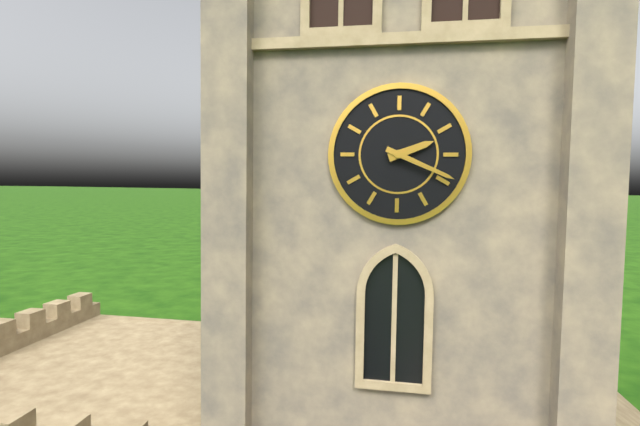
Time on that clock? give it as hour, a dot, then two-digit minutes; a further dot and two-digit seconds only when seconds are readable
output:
2.19
